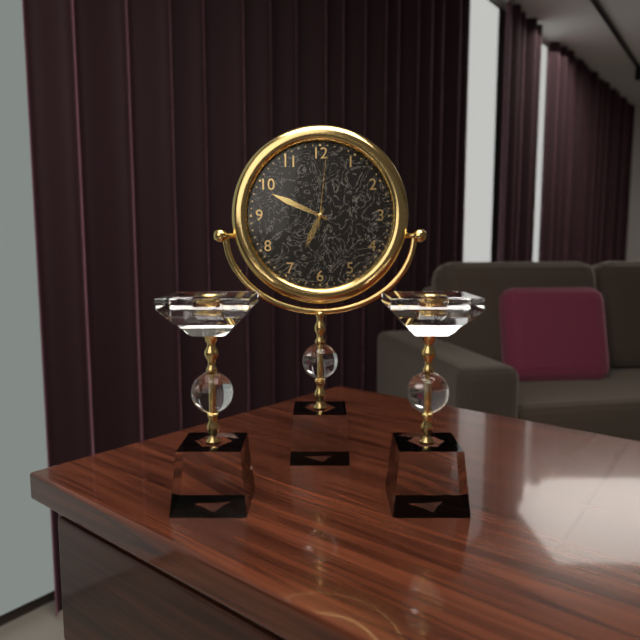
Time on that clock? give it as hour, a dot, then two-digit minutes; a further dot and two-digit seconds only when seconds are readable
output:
6.49.01
